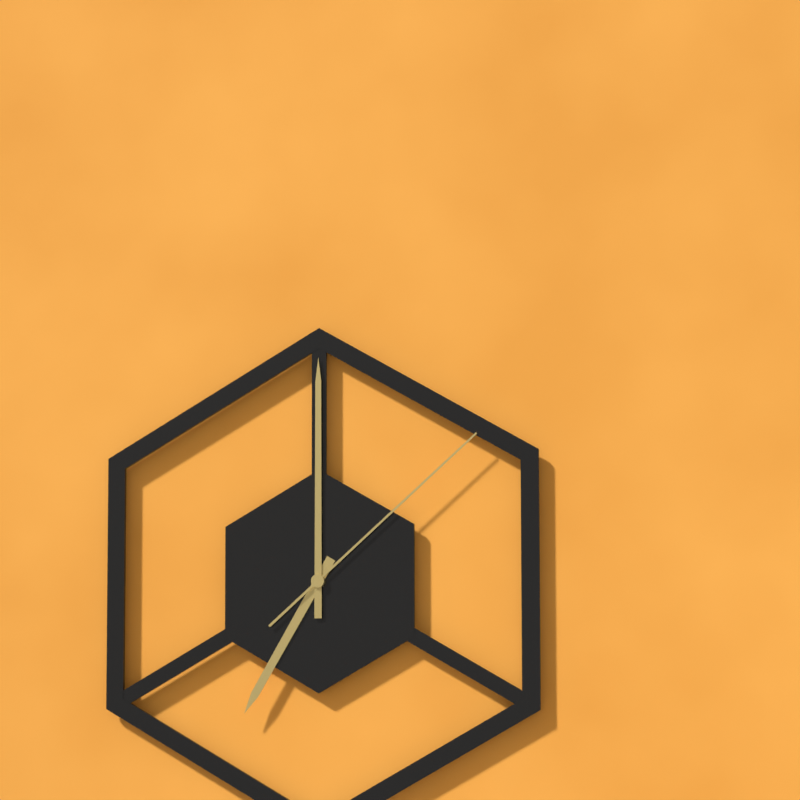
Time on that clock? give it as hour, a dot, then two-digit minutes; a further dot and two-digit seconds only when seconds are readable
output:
7.00.08
